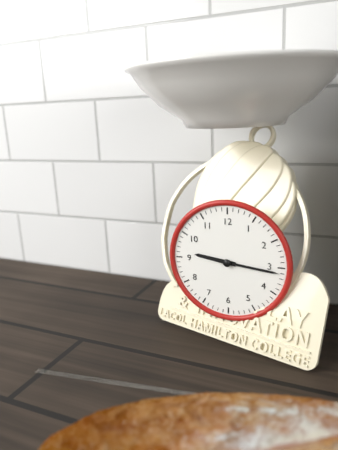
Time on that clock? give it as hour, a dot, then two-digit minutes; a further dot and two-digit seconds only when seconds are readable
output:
9.16
